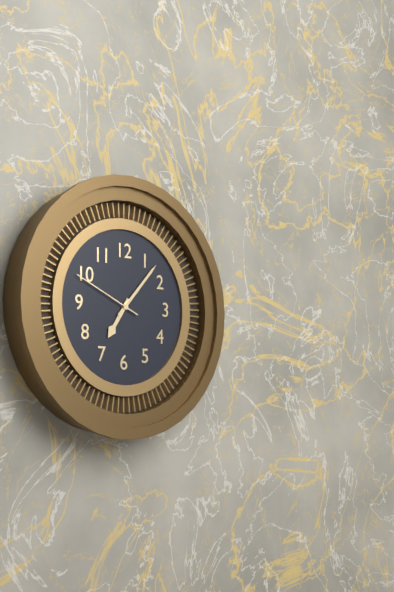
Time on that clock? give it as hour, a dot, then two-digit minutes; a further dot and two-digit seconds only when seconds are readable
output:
7.07.49
